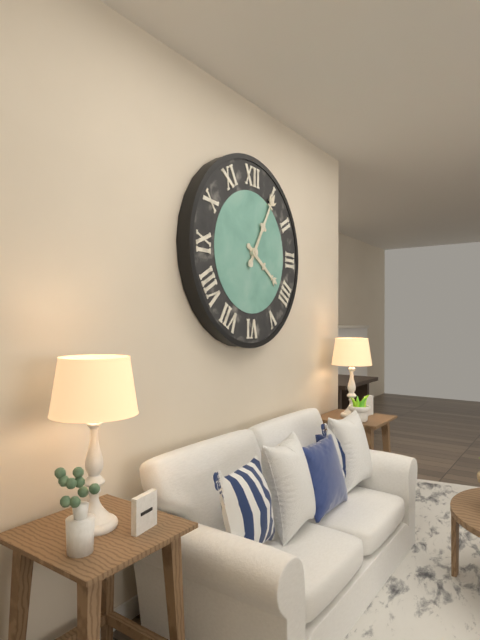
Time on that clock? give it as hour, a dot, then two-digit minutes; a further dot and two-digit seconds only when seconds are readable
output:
4.05
